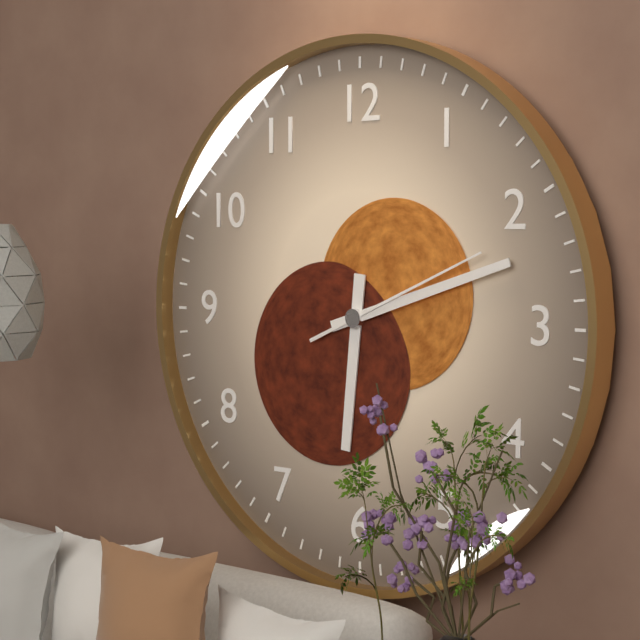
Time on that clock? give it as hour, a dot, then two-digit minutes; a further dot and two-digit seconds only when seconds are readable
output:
6.12.11
